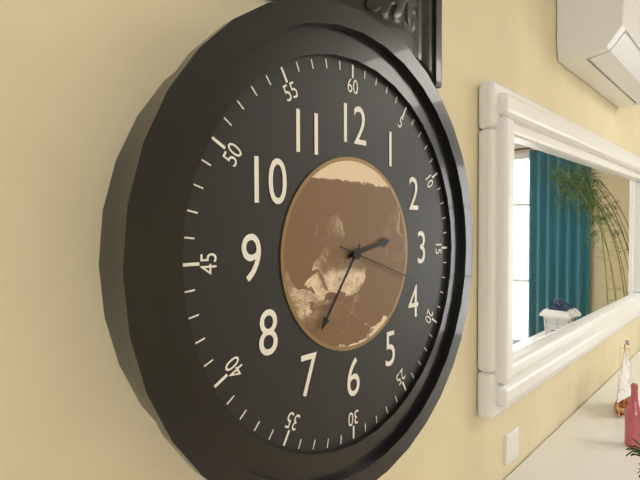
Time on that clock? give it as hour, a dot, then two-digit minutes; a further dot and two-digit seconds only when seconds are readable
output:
2.36.18
